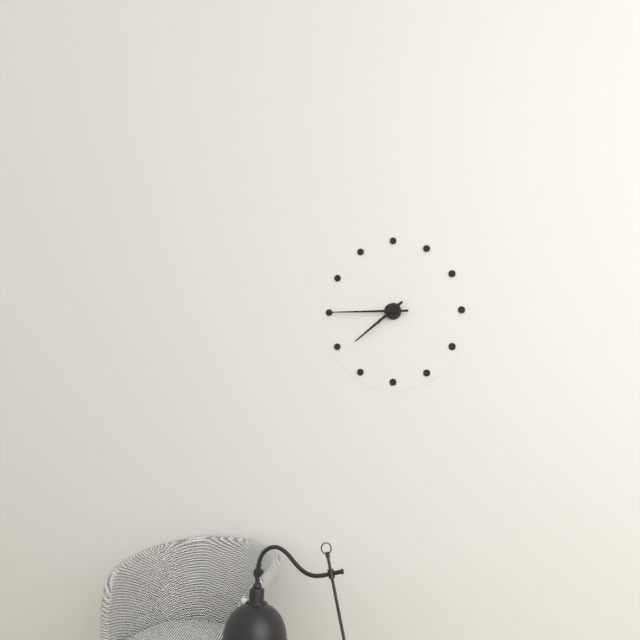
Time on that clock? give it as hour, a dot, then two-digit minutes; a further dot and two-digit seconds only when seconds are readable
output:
7.45
